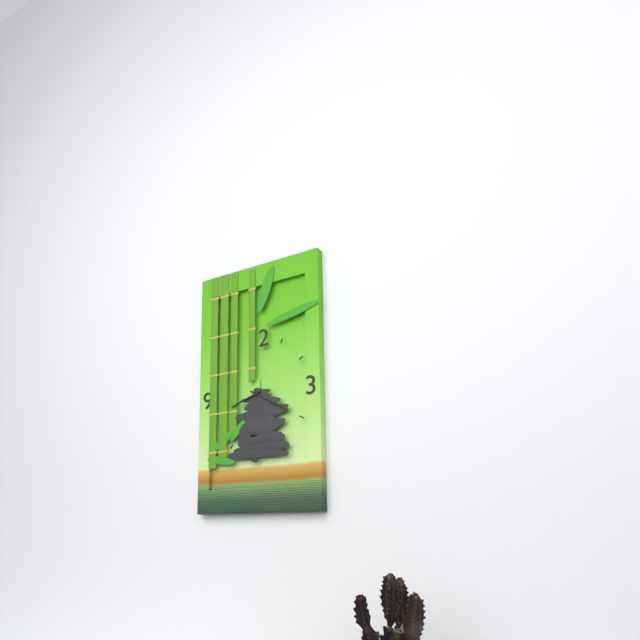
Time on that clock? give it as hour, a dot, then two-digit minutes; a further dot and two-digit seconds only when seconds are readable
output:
8.20
